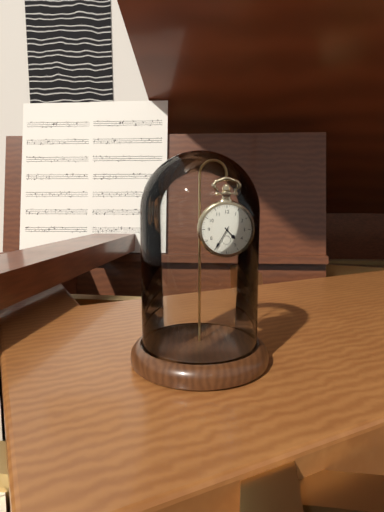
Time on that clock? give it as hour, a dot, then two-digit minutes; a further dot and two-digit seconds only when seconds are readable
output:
4.35
